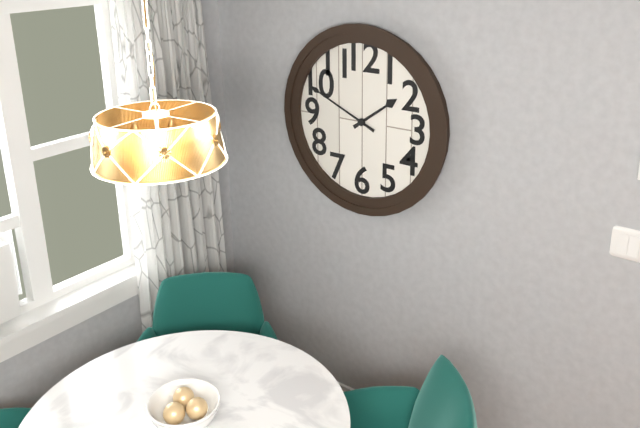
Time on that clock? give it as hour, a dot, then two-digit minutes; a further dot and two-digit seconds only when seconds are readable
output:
1.49
